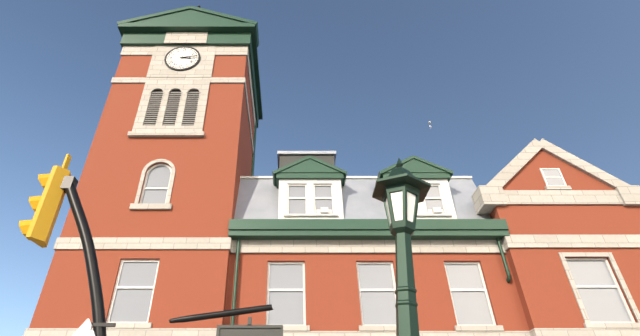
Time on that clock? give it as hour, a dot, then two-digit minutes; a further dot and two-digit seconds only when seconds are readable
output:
3.13
